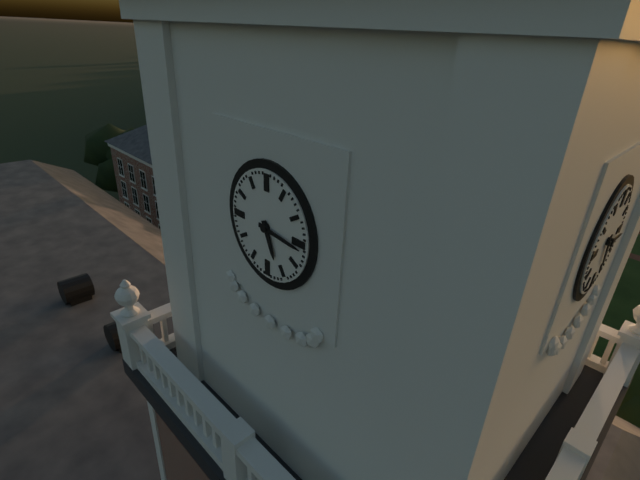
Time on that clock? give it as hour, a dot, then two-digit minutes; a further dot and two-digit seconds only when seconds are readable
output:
5.16
